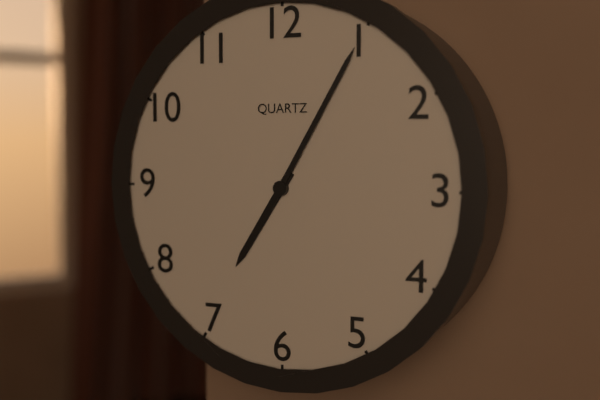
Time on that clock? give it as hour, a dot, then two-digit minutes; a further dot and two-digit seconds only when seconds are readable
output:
7.05
